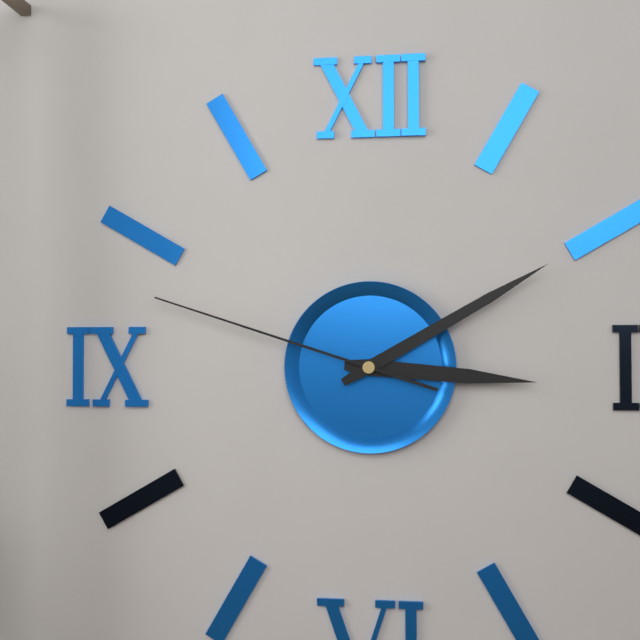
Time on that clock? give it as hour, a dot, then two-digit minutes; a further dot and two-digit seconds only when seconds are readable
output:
3.10.48
